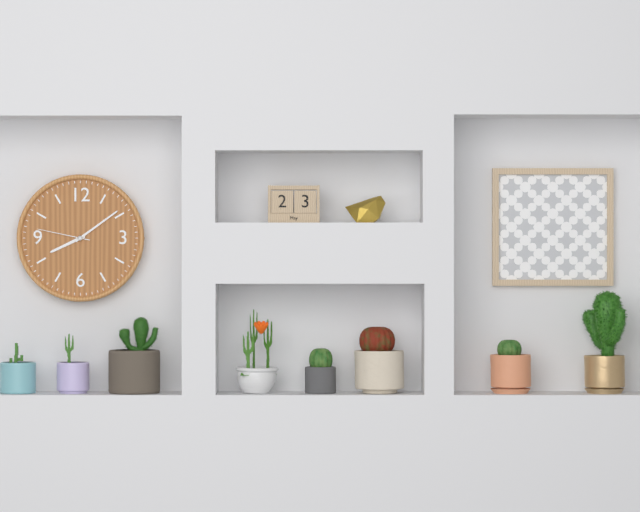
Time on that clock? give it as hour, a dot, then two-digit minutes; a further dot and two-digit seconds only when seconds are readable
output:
8.09.47
